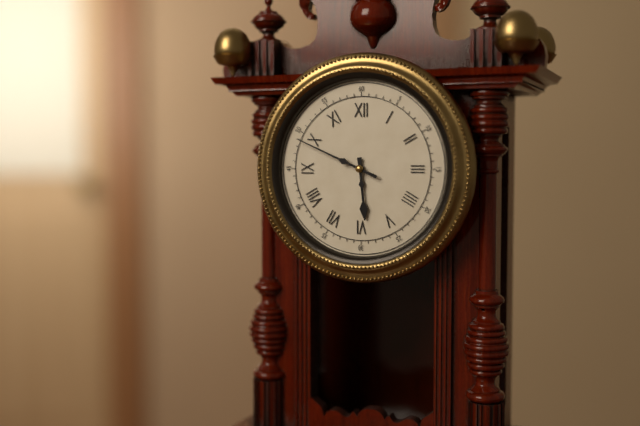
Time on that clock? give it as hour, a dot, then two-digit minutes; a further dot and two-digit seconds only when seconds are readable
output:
5.49
